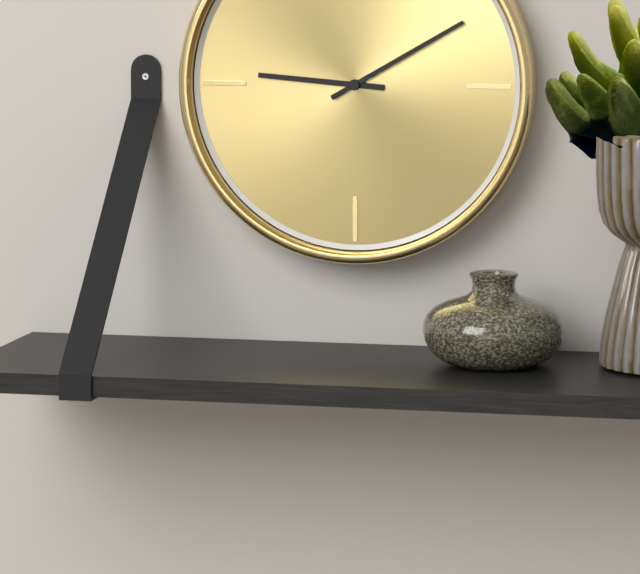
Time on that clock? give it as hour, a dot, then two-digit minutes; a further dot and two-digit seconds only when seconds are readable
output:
9.10
